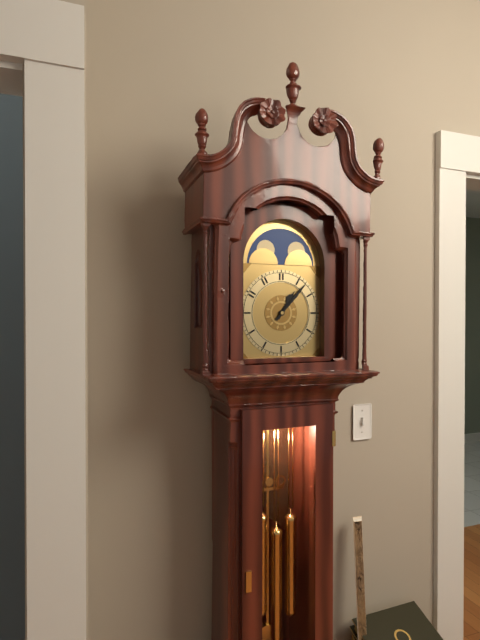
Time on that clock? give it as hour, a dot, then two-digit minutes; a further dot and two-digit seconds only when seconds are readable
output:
1.07
